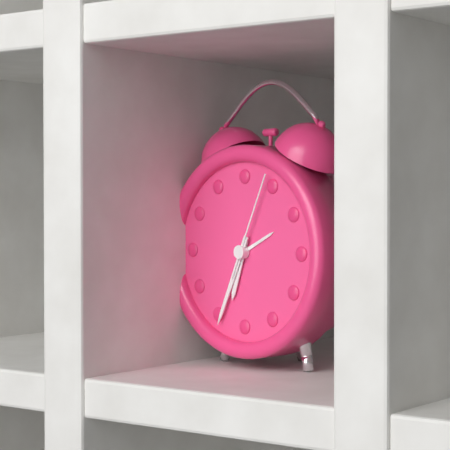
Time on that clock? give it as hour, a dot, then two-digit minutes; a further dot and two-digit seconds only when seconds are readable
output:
6.34.04
